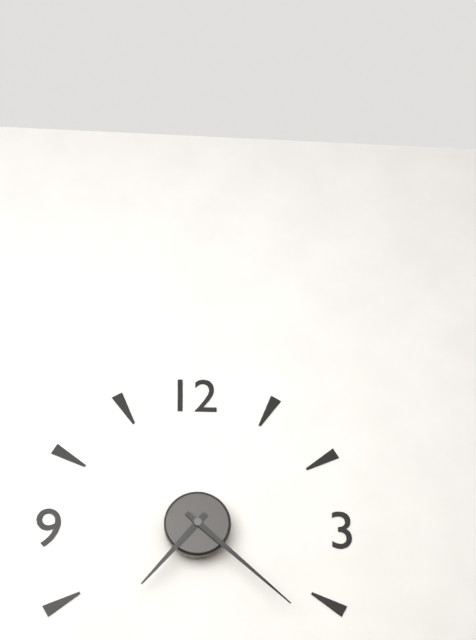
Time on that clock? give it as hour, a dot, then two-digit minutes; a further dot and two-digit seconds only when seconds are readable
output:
7.22
